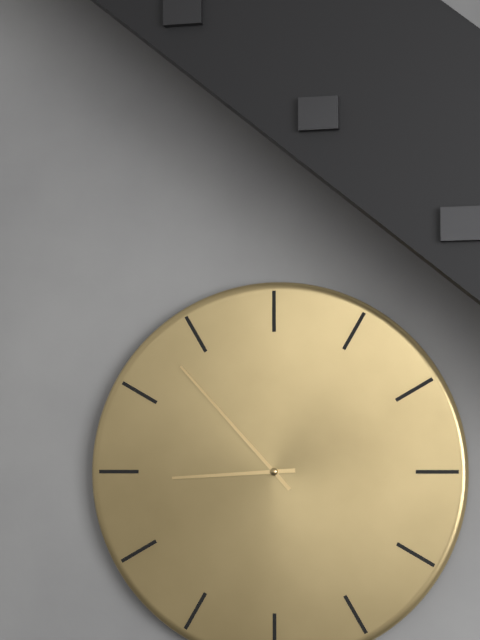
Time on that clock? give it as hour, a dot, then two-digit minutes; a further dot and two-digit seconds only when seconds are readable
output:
8.53
